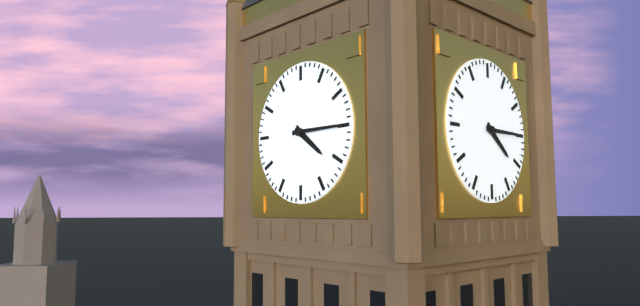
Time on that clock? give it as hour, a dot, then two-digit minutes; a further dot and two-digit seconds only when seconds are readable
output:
4.15
